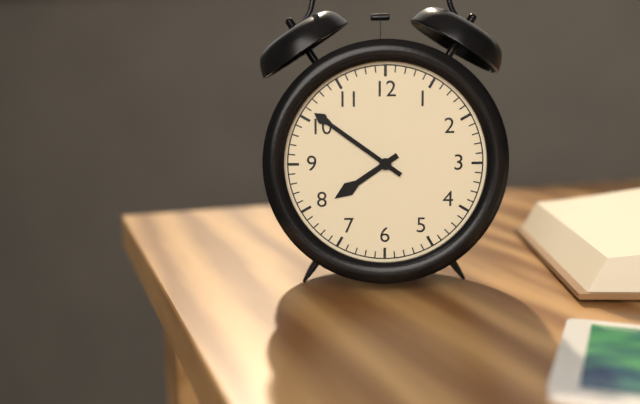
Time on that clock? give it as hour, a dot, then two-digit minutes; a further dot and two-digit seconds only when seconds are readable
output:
7.51
